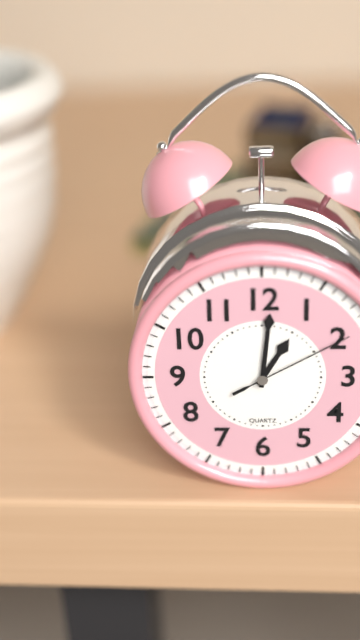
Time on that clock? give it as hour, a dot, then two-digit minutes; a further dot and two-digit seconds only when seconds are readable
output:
1.01.10
